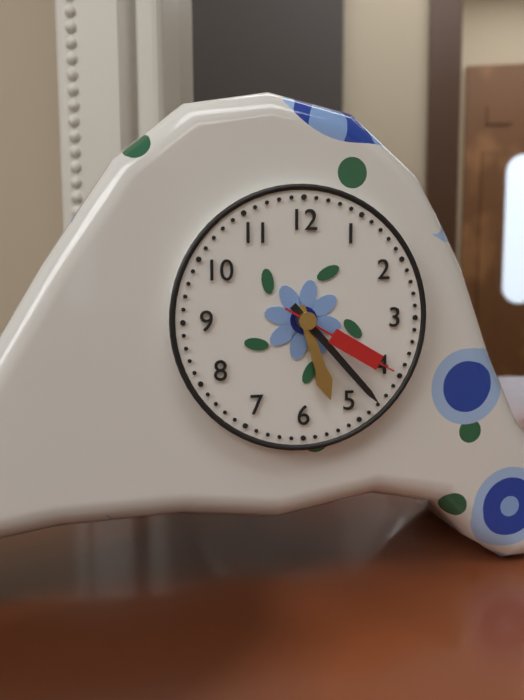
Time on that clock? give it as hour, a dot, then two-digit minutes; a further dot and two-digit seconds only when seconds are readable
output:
5.23.20
